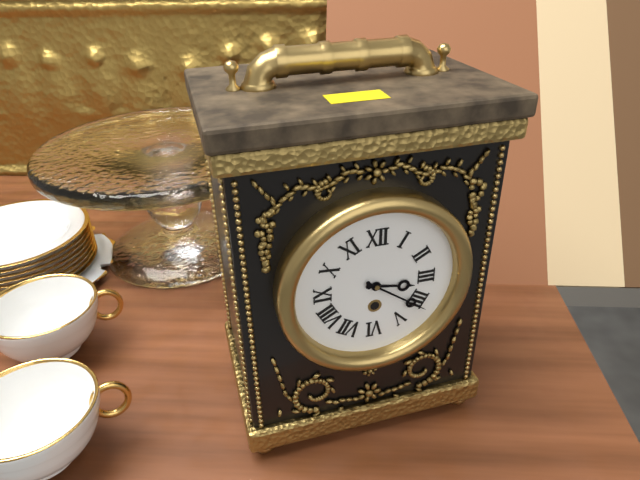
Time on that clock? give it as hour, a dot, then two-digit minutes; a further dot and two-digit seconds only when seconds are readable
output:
3.21
